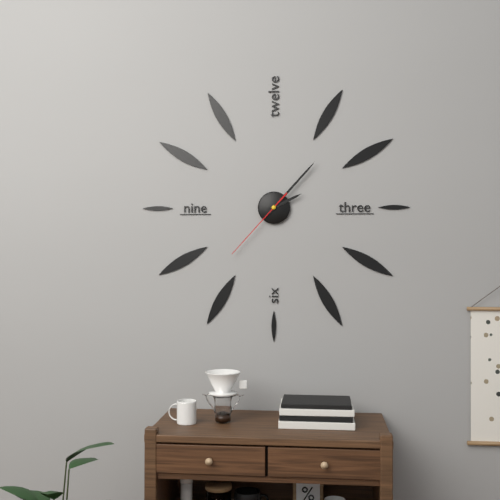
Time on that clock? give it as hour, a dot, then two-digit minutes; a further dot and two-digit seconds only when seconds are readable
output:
2.07.37
